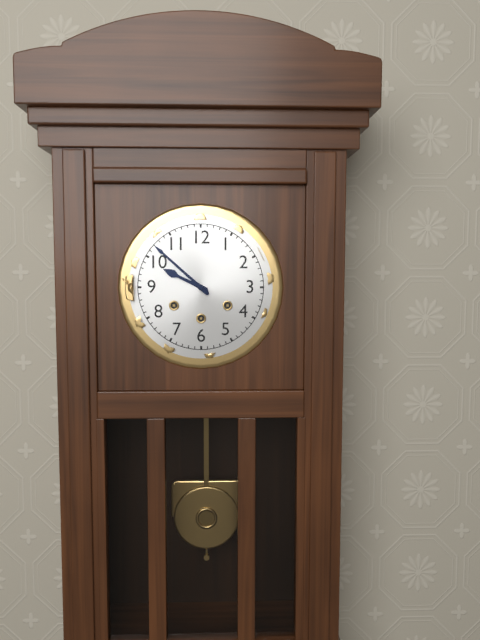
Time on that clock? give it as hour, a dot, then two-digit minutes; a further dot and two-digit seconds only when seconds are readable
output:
9.52
